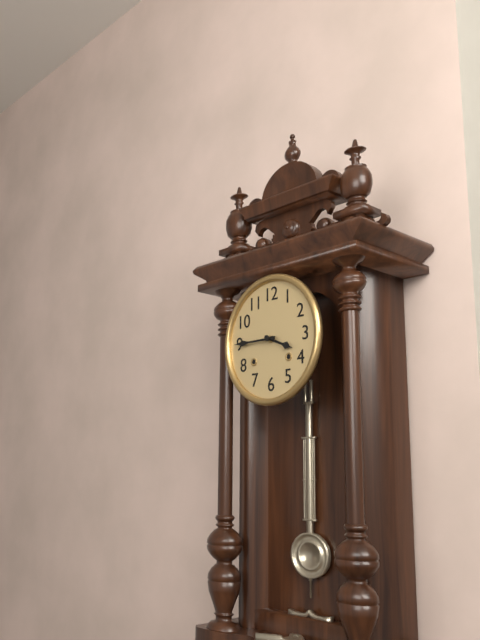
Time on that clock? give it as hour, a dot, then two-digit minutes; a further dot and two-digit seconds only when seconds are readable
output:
3.45
